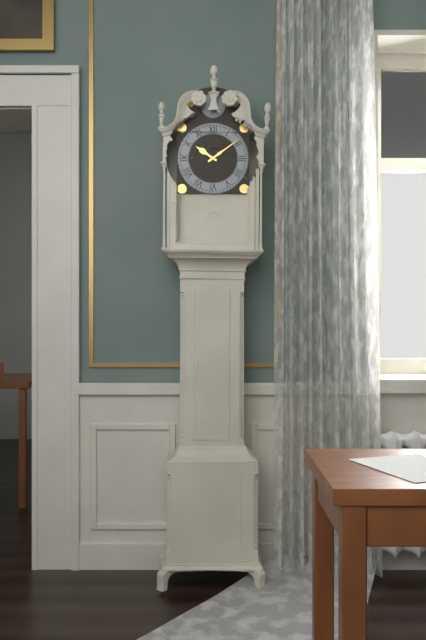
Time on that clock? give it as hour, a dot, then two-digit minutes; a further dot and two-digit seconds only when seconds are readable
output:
10.09
